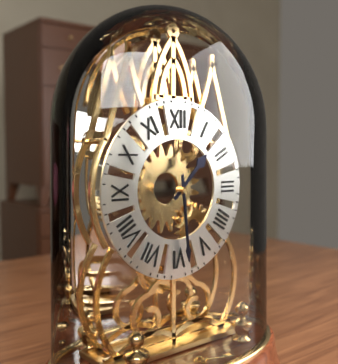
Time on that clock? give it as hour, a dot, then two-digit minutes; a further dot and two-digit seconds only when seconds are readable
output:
1.29
